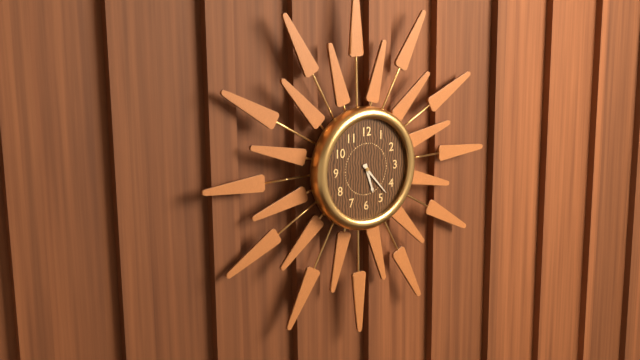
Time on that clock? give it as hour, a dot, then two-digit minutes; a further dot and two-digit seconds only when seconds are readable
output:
5.23
